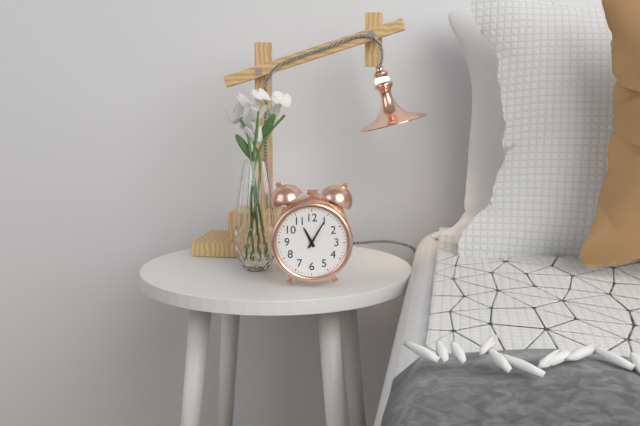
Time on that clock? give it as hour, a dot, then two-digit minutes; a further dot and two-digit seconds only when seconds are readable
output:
11.05
